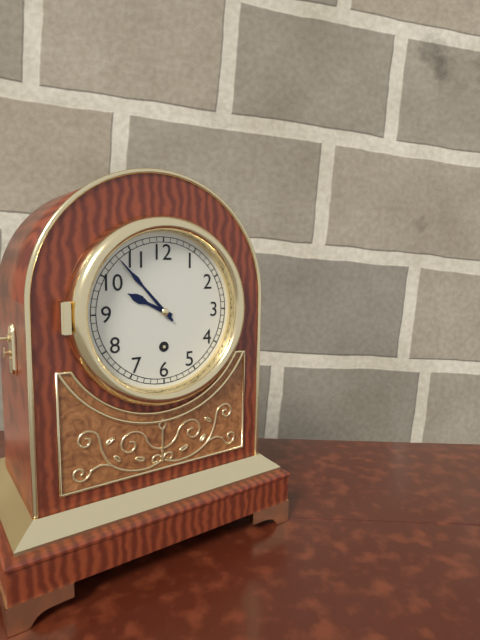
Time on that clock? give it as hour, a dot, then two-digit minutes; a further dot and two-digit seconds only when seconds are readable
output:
9.53
